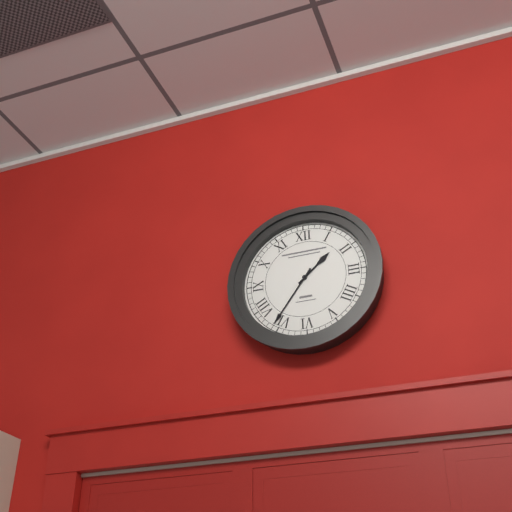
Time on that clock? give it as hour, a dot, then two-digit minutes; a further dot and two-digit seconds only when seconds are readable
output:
1.36
